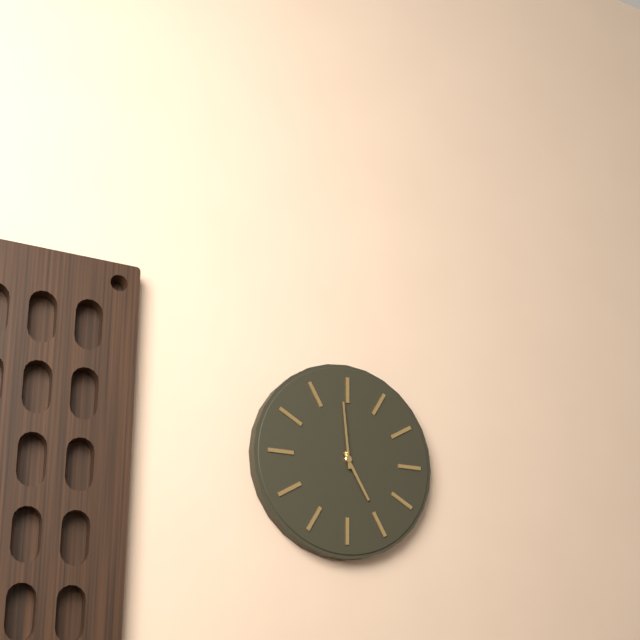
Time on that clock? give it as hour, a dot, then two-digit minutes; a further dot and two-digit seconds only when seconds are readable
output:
4.59
